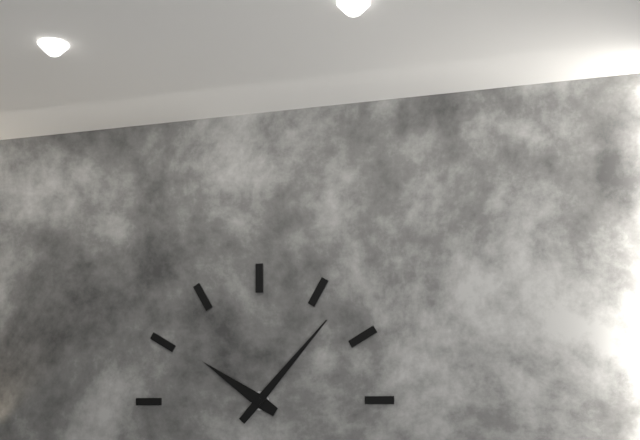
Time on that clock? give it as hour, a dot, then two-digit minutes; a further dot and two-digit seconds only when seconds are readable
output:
10.07
